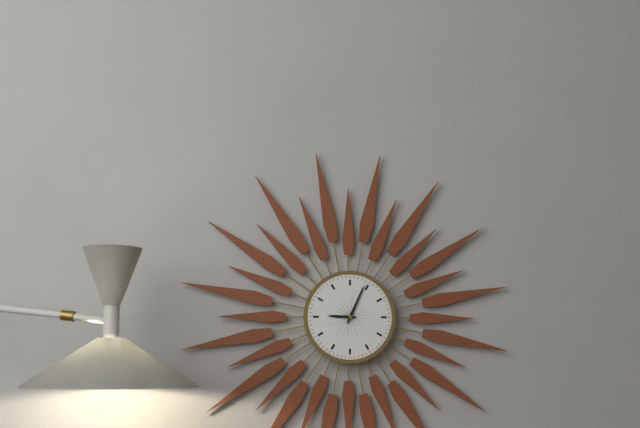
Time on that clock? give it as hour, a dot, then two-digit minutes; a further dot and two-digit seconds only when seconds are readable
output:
9.04
